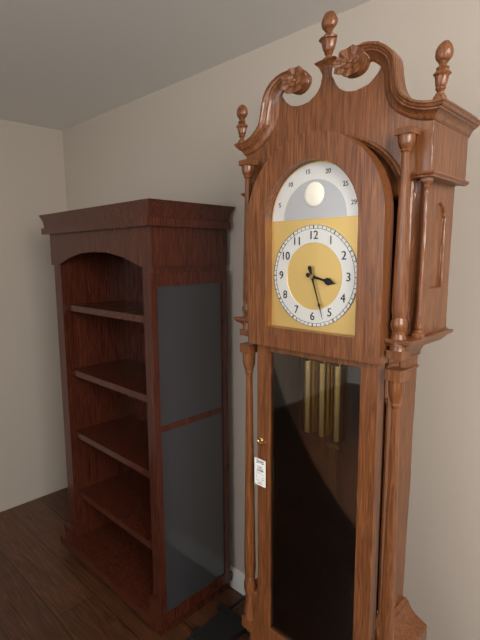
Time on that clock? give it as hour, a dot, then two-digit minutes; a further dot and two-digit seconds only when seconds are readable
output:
3.27
